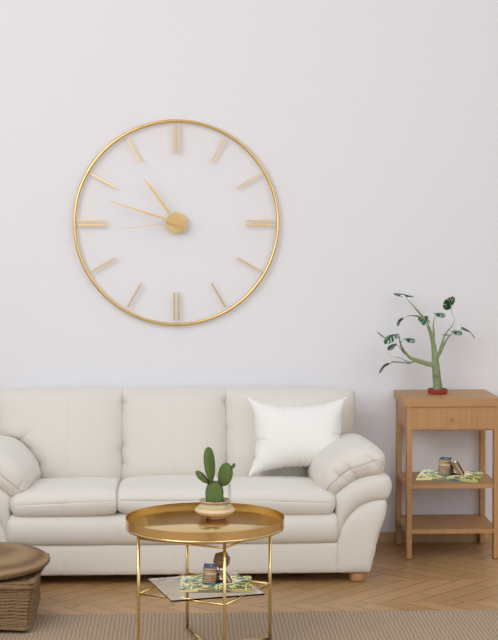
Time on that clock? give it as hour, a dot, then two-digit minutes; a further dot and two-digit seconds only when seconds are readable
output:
10.48.44
